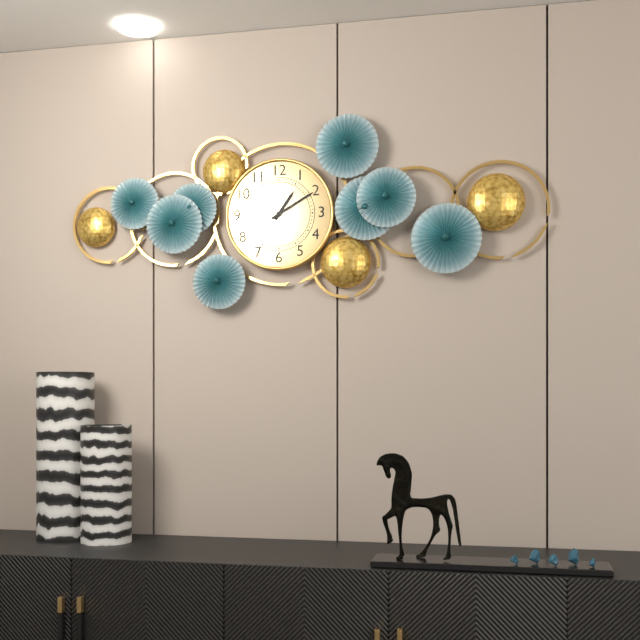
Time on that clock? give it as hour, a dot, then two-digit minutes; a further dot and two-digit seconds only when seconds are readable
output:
1.10
